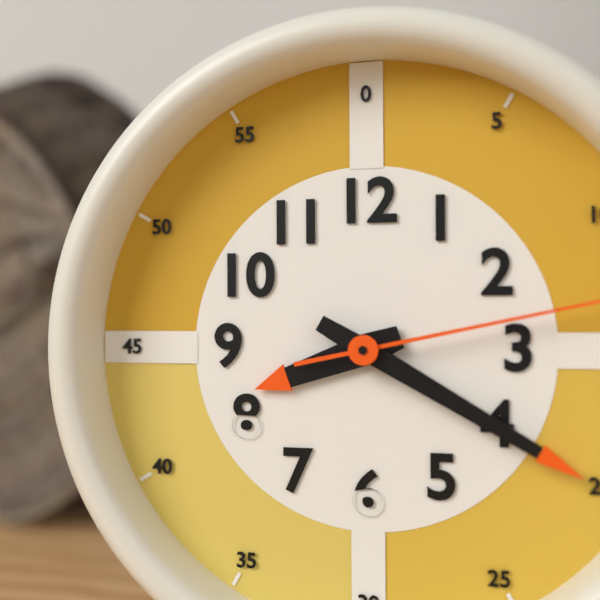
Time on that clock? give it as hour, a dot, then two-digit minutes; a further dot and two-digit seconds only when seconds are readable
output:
8.20
